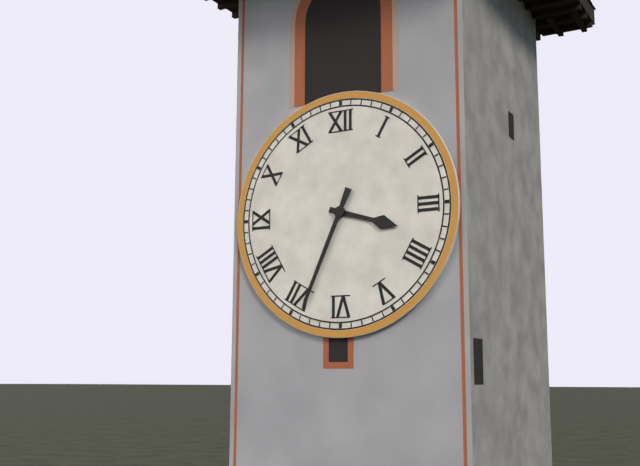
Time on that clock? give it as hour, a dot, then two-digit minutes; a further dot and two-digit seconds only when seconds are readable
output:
3.34
